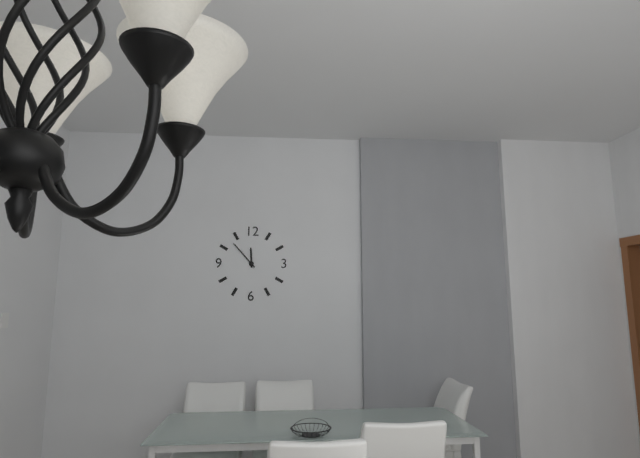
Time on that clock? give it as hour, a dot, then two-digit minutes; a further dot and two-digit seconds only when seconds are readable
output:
11.53
